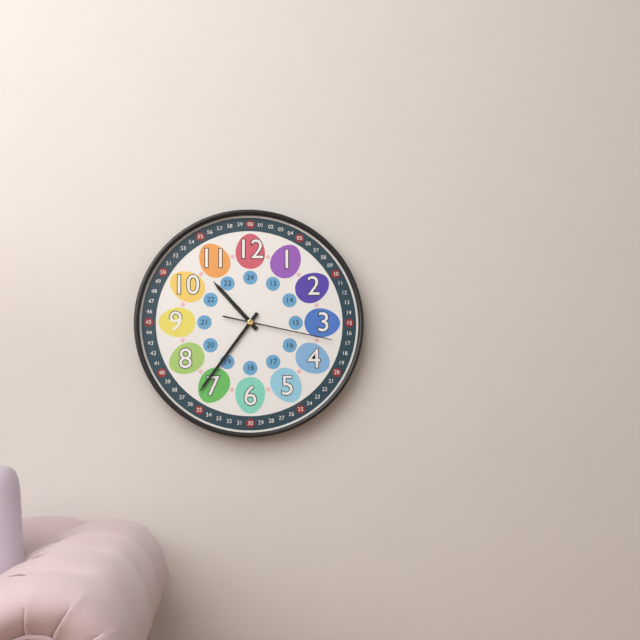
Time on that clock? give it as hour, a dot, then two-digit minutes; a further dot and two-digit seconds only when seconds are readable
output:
10.36.17
